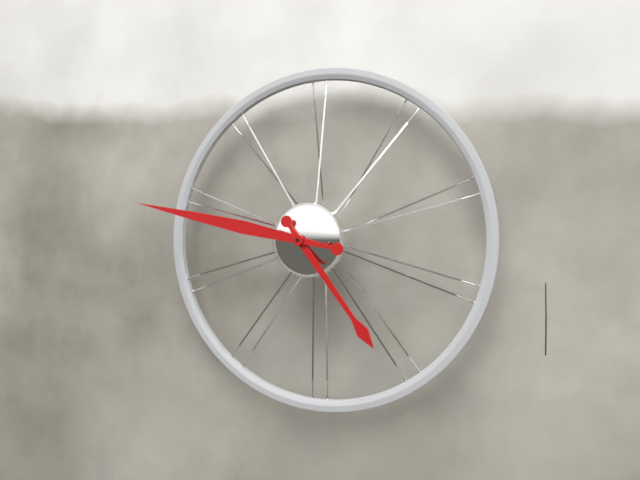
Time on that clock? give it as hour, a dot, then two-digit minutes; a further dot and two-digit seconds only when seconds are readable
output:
4.47
